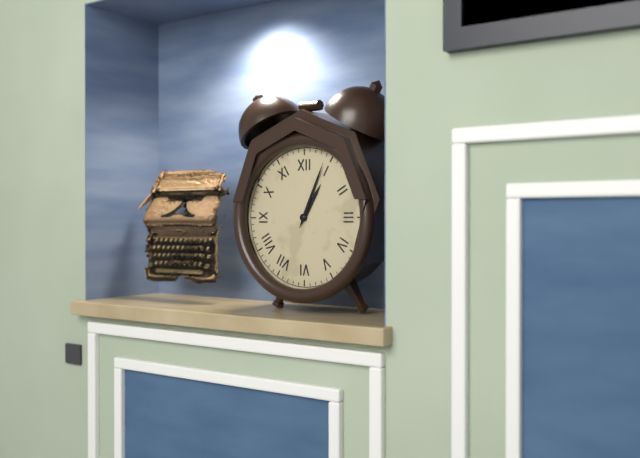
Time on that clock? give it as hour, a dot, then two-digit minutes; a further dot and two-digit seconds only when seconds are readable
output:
1.04
